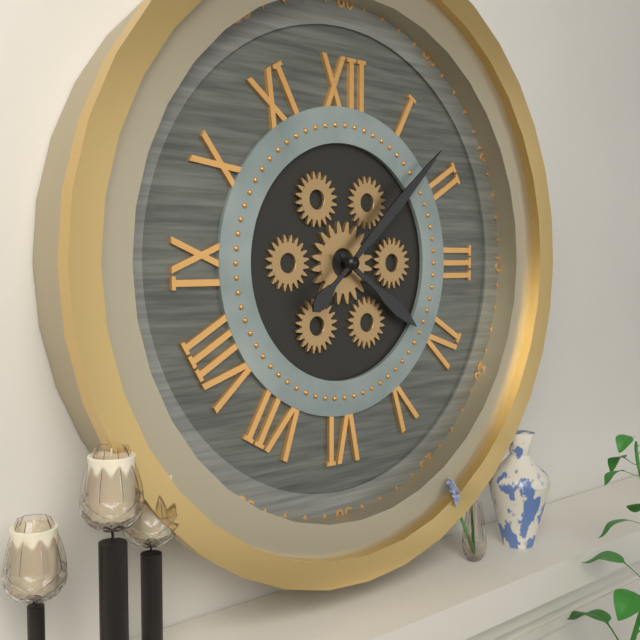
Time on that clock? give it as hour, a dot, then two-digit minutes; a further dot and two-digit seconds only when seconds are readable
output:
4.08
